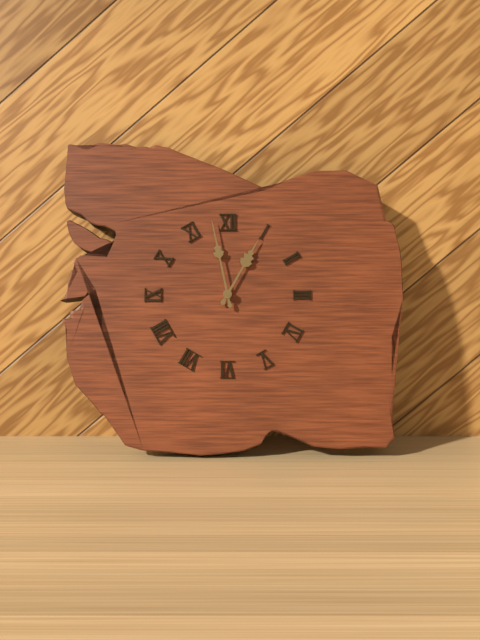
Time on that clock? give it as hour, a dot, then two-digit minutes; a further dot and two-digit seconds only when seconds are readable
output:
12.58
